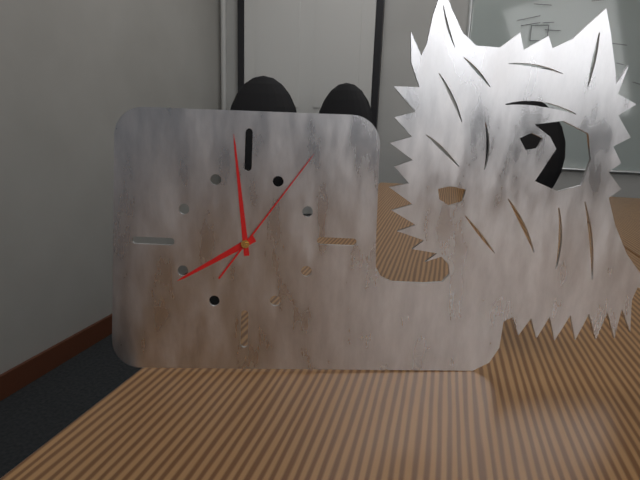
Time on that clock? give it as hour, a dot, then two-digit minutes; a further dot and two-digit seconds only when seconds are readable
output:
7.59.06
